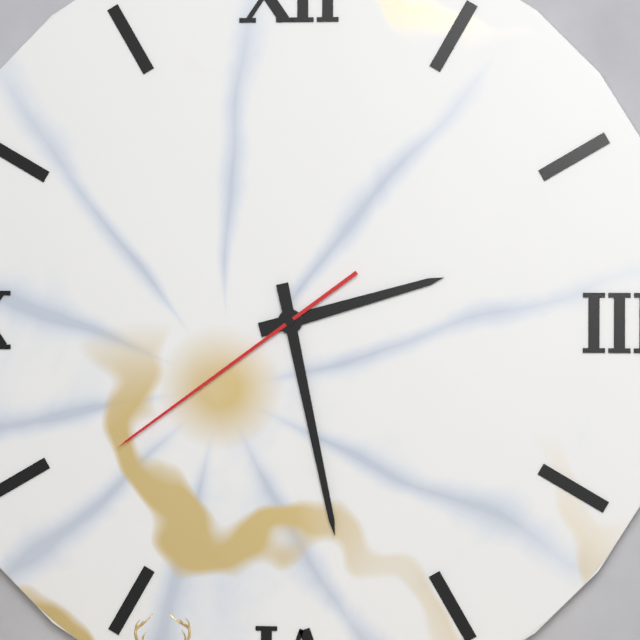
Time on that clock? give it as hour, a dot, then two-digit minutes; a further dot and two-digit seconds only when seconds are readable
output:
2.28.39
